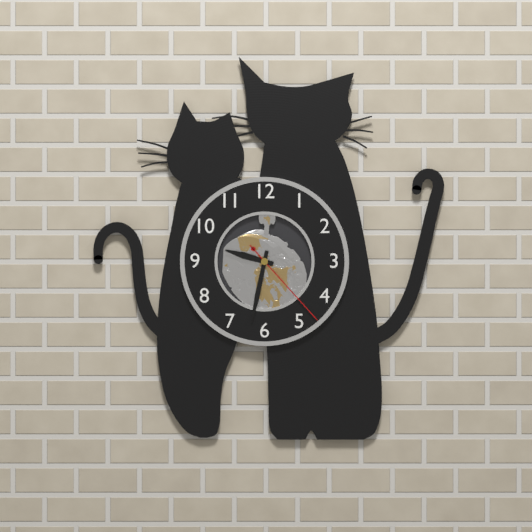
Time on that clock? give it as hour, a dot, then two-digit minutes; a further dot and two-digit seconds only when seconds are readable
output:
9.32.23
